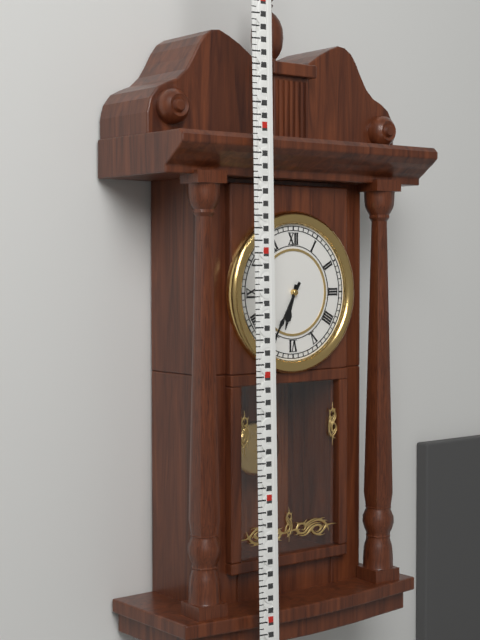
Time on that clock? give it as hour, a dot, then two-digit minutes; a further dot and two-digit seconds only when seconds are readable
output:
6.35
